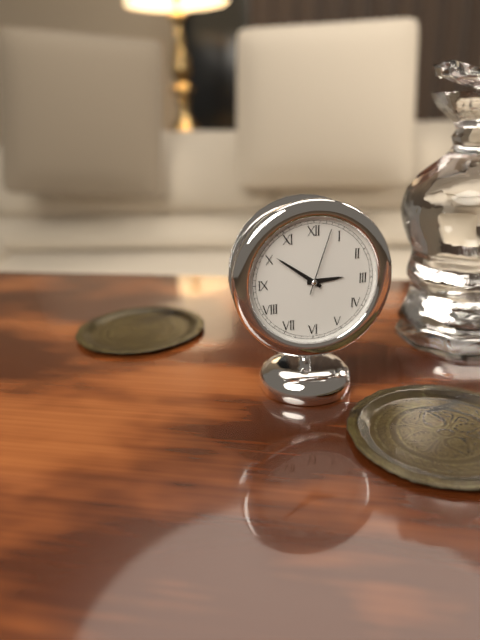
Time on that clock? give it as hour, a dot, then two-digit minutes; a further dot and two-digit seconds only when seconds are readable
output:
2.51.03
